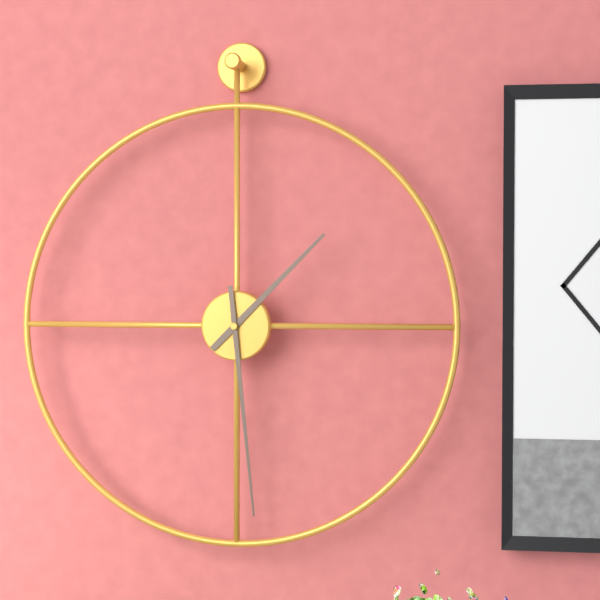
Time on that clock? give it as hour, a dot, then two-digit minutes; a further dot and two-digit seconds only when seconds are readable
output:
1.29
